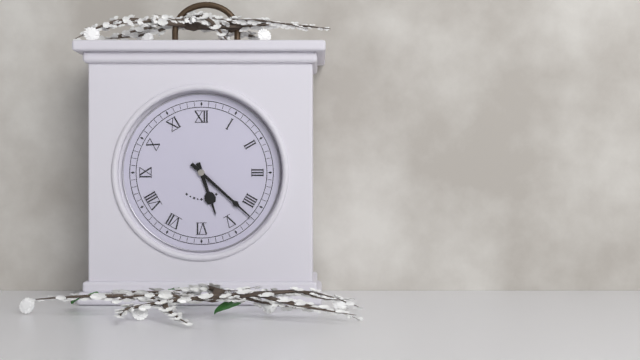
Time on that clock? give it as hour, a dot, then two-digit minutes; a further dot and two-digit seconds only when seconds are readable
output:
5.22
